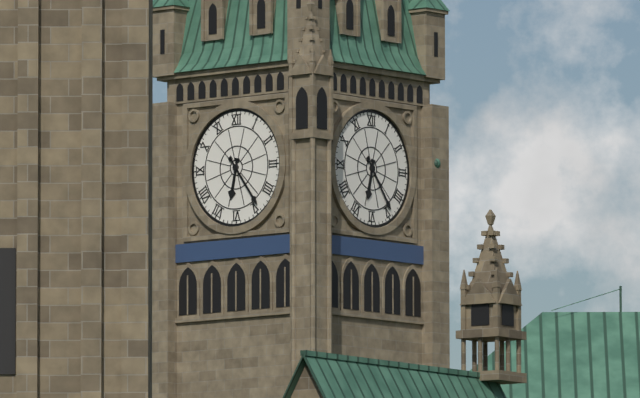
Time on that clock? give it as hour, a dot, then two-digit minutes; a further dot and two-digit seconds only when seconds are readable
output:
6.24
